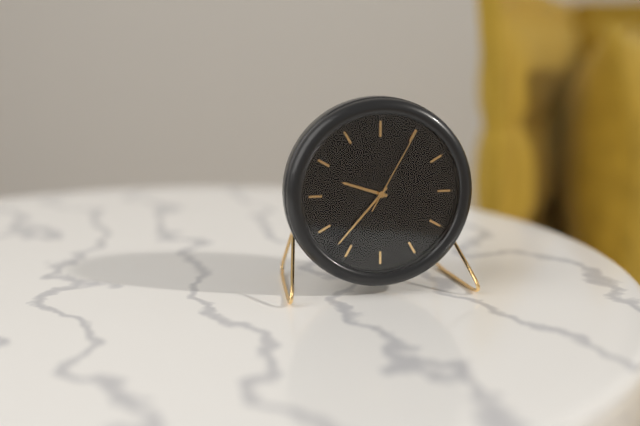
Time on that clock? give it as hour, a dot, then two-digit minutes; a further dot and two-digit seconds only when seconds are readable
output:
9.37.05
